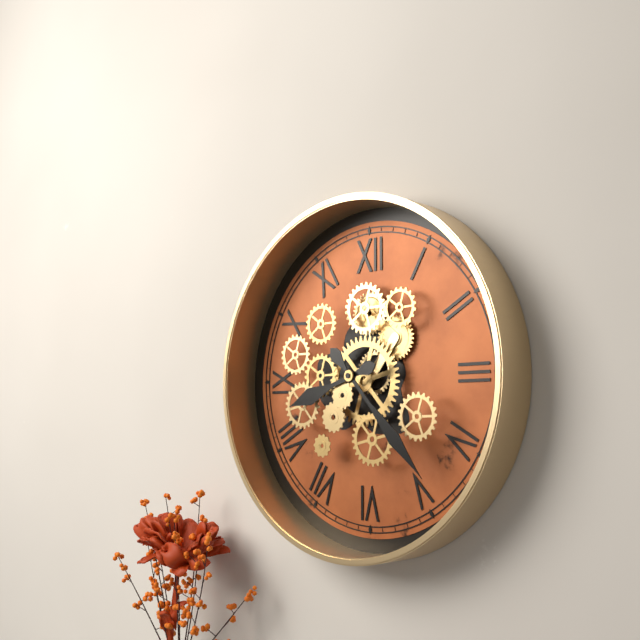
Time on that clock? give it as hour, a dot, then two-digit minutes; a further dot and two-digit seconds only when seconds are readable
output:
8.23
